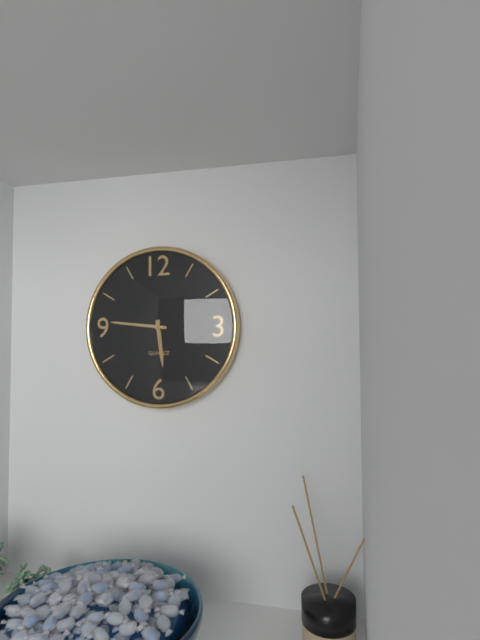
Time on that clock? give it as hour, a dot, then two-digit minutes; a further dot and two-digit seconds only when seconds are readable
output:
5.46
